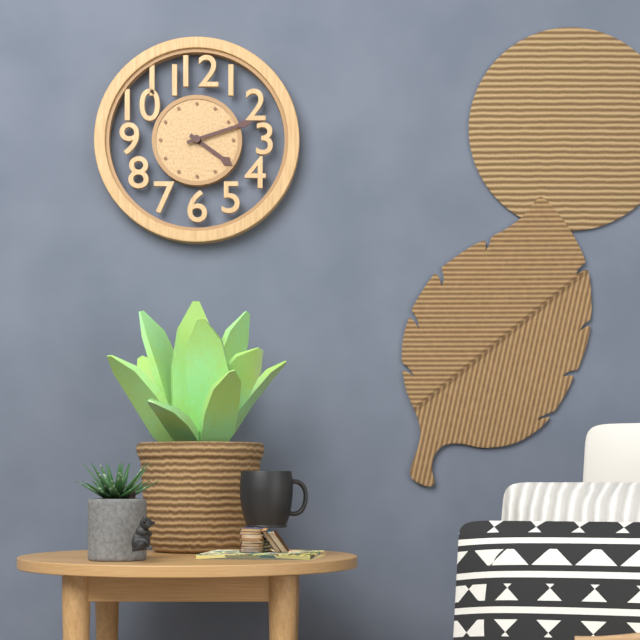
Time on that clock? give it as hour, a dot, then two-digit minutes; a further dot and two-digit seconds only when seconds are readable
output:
4.12
